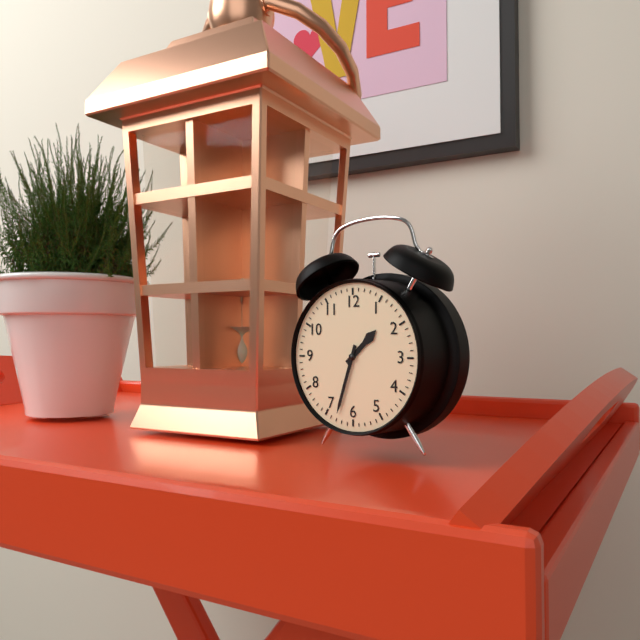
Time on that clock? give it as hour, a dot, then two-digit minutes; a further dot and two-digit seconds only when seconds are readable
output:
1.33
